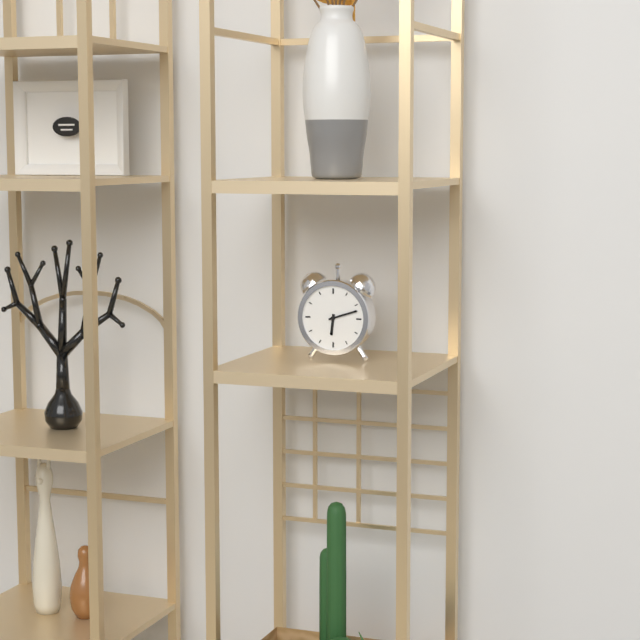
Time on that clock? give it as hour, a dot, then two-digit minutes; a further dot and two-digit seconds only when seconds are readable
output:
6.12
